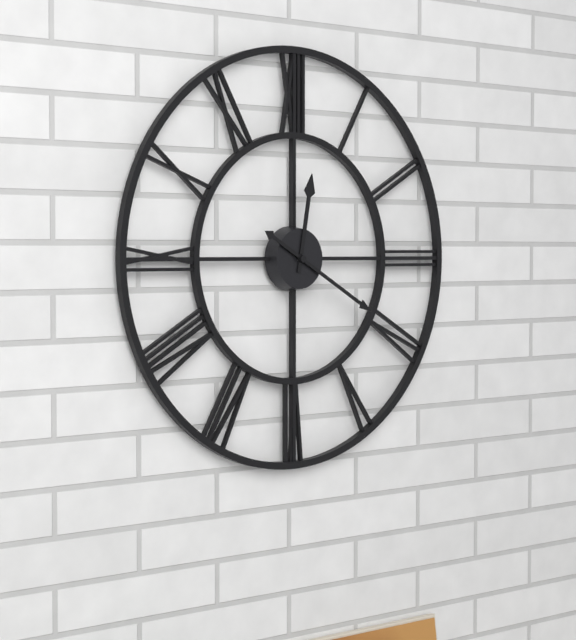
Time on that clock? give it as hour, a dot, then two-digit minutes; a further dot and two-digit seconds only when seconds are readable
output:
12.20
